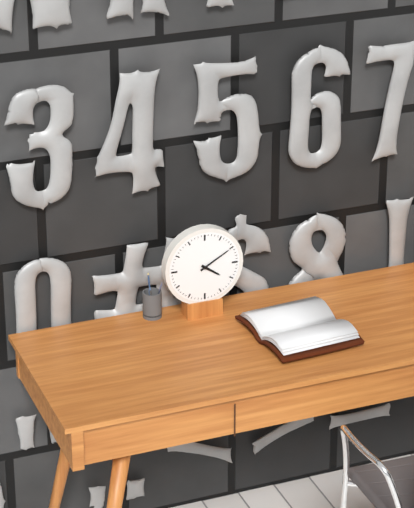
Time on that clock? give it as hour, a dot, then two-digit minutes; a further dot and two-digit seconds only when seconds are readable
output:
4.10
